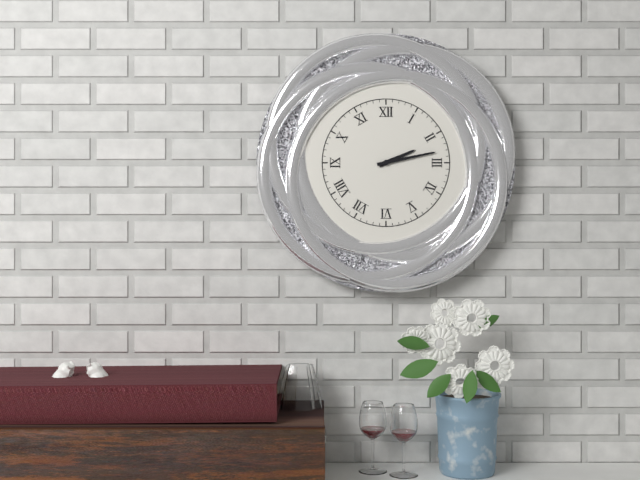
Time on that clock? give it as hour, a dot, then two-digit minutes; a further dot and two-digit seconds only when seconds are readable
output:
2.13
